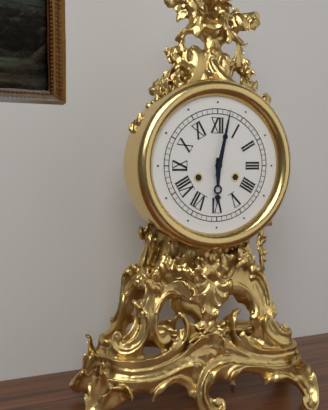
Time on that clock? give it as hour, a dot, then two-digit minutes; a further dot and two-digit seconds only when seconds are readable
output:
6.02
